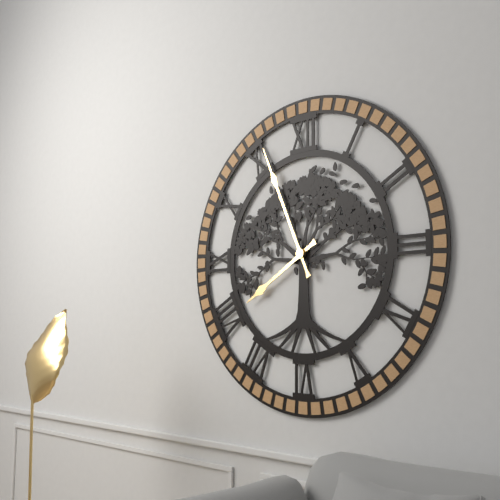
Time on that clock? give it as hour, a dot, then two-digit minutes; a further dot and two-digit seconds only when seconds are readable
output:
7.56
